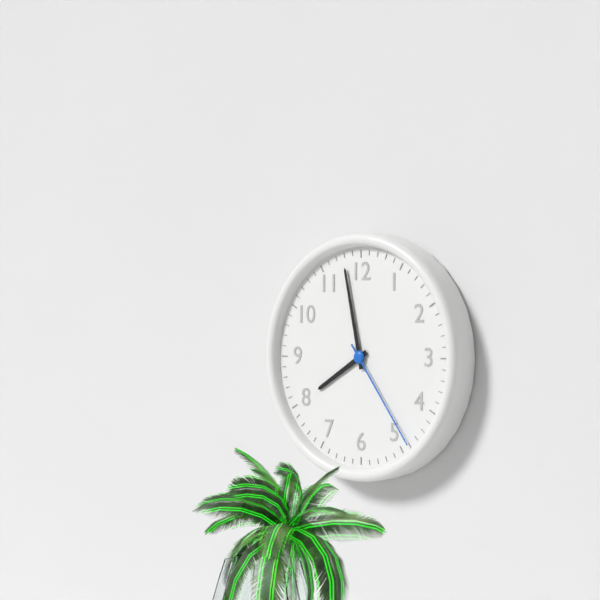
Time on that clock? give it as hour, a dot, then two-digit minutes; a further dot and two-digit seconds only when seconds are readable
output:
7.58.24
